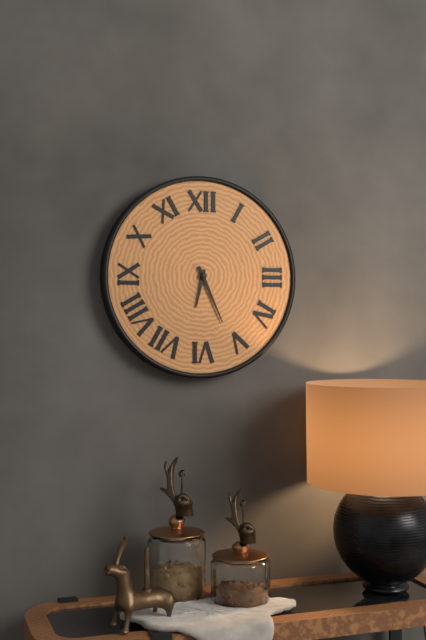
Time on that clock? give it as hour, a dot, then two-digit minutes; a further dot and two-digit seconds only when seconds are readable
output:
6.26
